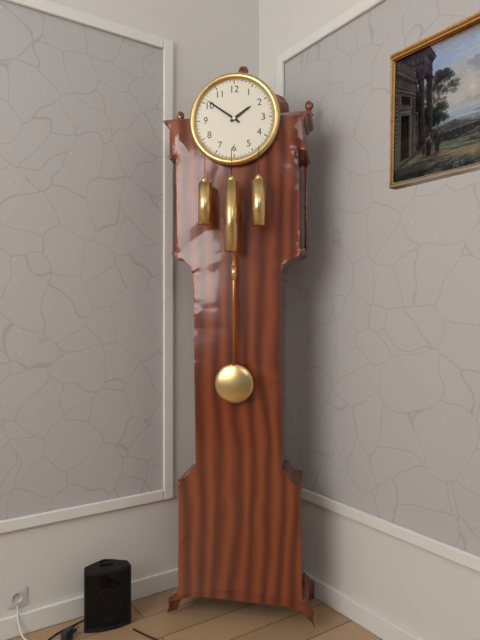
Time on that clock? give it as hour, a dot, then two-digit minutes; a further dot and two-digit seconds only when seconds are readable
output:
1.51
